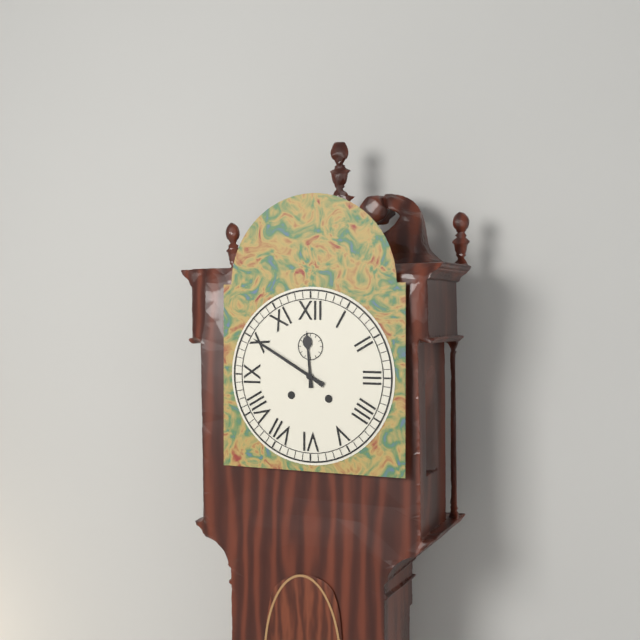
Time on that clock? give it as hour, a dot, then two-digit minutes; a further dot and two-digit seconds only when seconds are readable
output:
11.50
